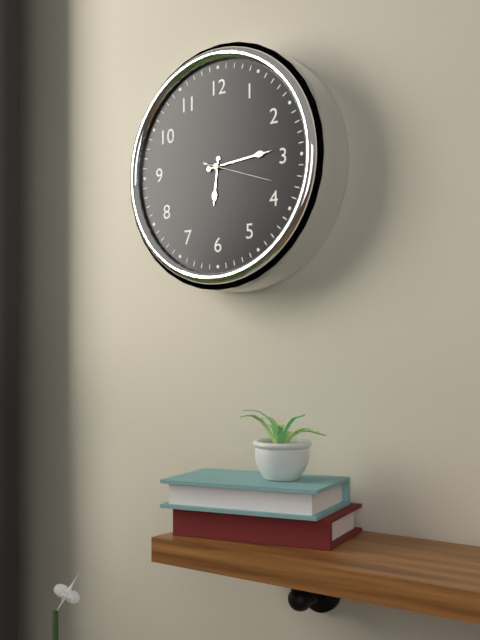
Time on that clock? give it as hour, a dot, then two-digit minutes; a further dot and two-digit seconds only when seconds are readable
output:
6.14.18
